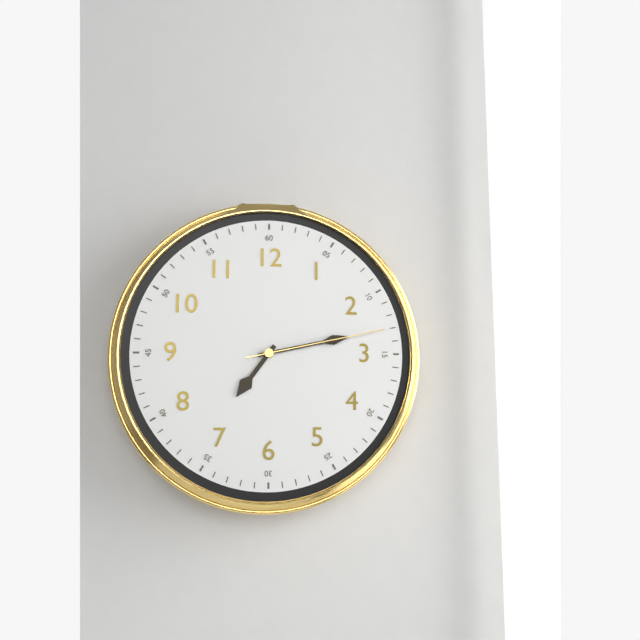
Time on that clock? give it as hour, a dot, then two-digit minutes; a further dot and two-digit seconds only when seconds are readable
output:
7.13.13
